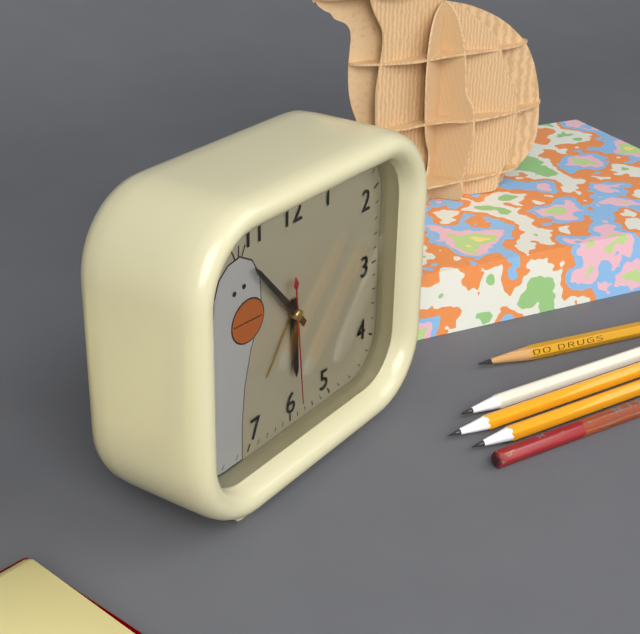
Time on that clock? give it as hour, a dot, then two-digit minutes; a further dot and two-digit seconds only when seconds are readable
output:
5.53.29
